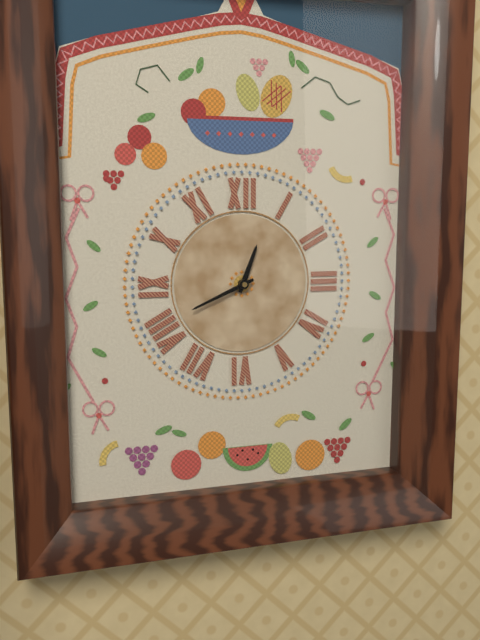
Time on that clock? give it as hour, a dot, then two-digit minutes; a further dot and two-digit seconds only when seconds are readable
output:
12.41
